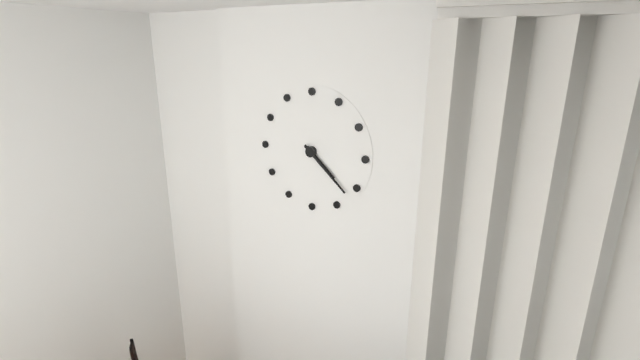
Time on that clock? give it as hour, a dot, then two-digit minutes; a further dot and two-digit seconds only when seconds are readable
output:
4.22
